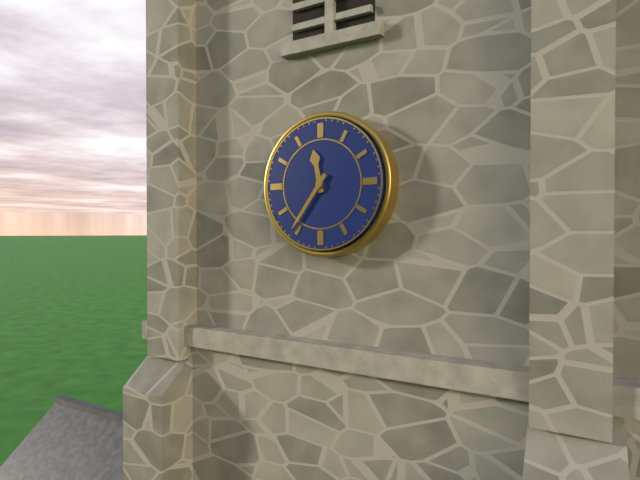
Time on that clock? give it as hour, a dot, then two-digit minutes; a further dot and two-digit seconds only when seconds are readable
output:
11.36
